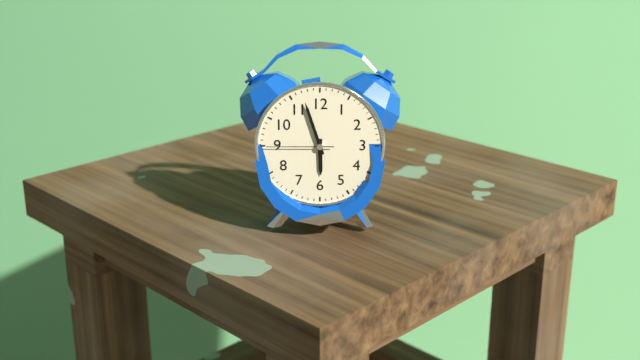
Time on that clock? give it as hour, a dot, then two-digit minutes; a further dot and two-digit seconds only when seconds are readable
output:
5.57.45
